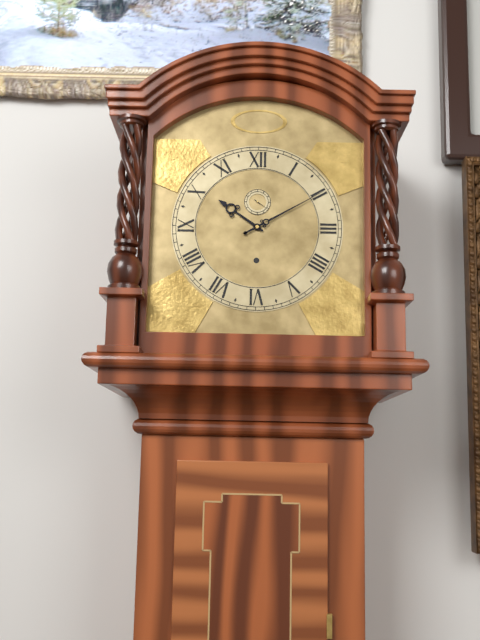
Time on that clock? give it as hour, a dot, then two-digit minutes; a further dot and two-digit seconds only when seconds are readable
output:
10.10
